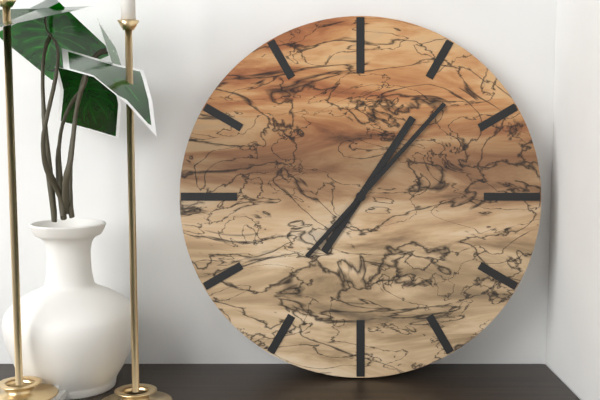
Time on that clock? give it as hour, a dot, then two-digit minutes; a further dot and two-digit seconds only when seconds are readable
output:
1.07
